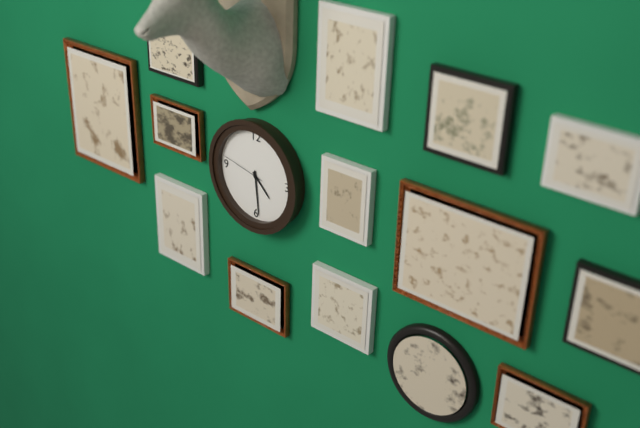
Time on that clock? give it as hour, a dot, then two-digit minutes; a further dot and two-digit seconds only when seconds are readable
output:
4.29
